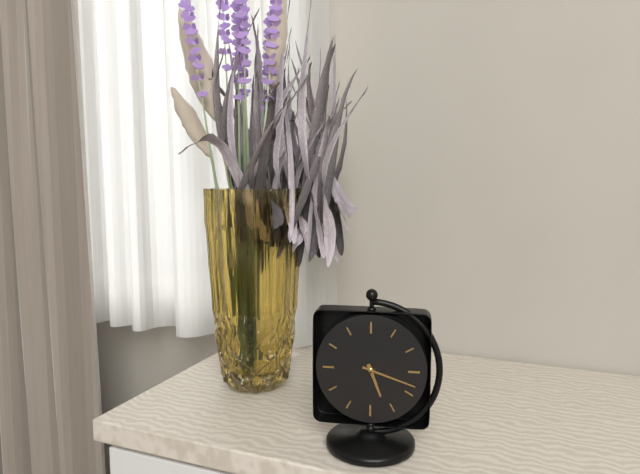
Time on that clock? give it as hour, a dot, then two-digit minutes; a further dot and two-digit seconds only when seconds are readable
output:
5.18
